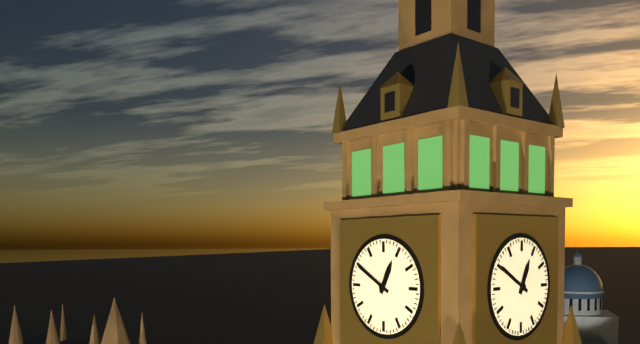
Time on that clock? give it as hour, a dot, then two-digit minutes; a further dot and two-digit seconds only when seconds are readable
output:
12.50
